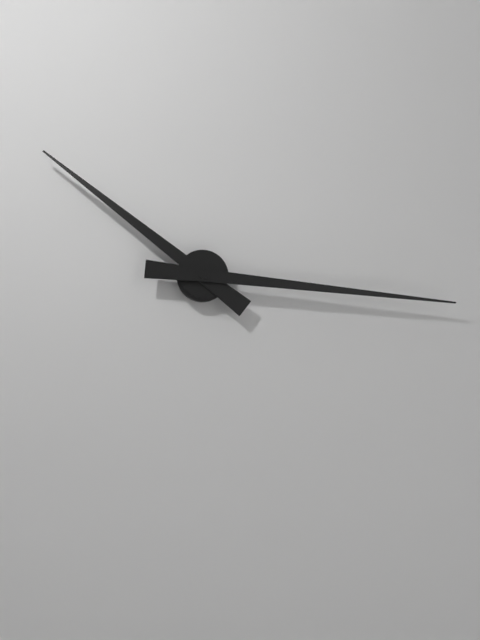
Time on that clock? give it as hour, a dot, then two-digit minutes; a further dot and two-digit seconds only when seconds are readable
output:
10.16
